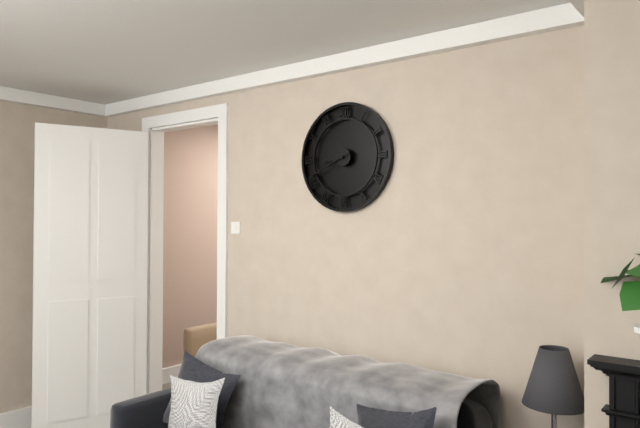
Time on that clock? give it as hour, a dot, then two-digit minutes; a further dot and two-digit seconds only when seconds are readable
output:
8.41
